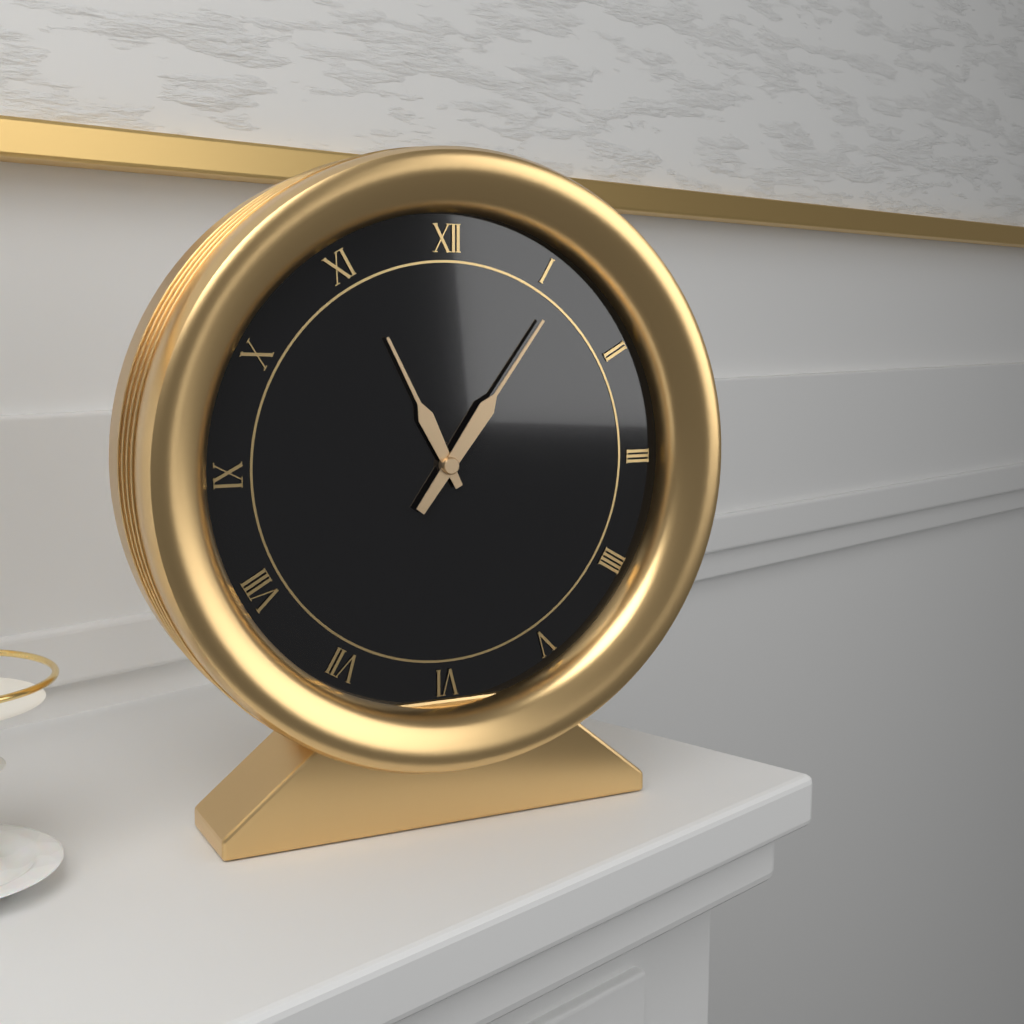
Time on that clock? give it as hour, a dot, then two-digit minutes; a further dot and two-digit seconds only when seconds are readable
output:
11.06
